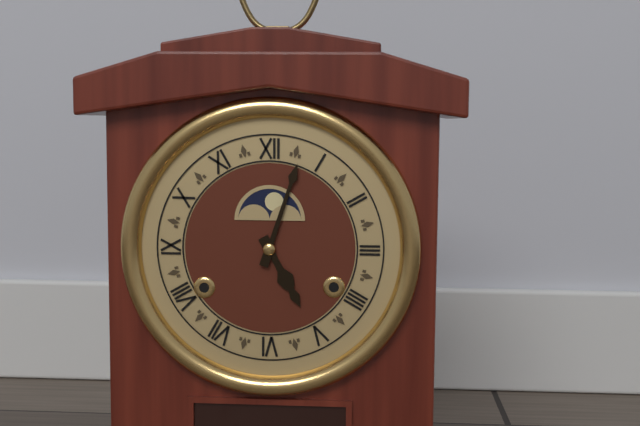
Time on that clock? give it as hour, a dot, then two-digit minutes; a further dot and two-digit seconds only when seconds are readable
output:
5.03
